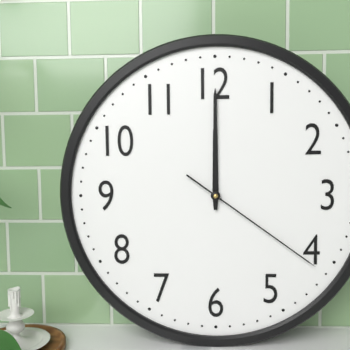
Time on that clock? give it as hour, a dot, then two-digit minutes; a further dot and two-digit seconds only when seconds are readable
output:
12.00.21
